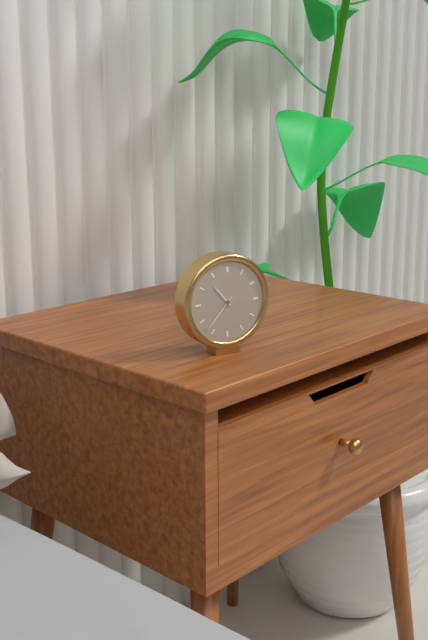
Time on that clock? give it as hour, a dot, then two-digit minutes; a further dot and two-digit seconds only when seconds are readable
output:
10.37
